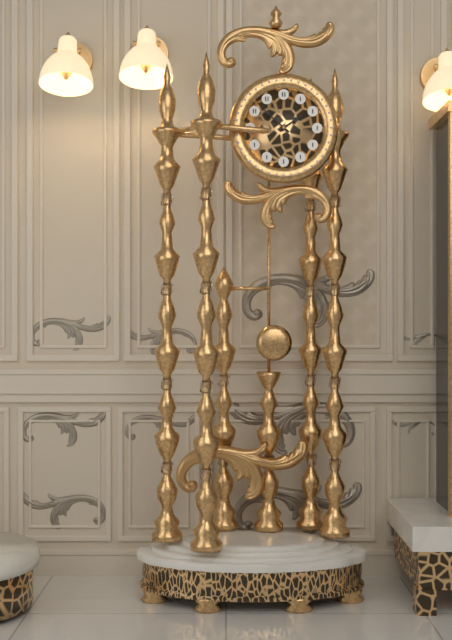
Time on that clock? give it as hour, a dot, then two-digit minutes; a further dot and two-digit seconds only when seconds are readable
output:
1.52
